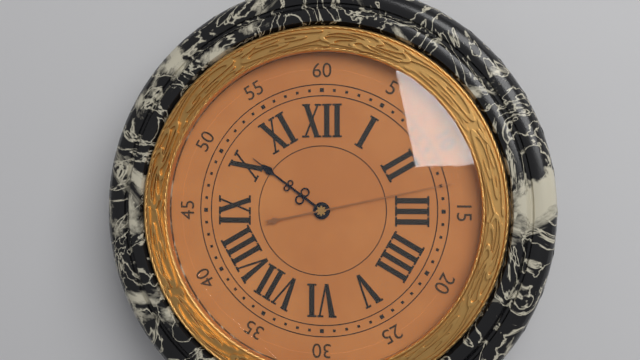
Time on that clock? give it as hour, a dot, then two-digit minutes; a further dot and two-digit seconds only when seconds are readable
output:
10.13
